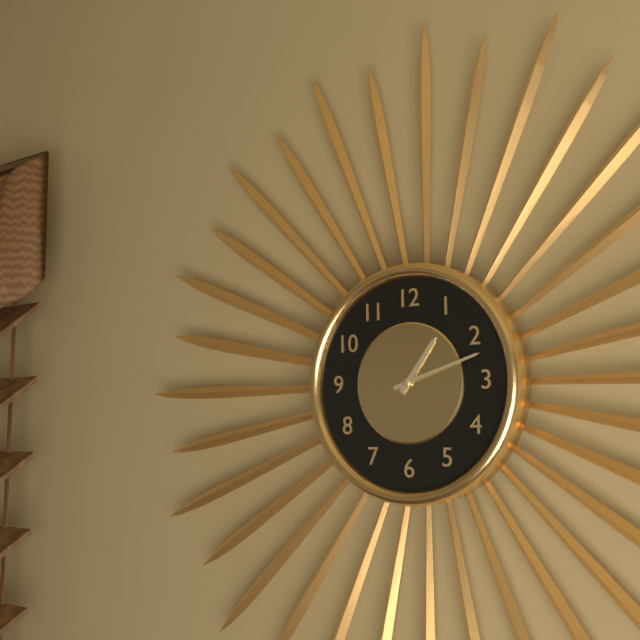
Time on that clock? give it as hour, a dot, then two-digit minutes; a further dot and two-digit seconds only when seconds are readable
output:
1.12
